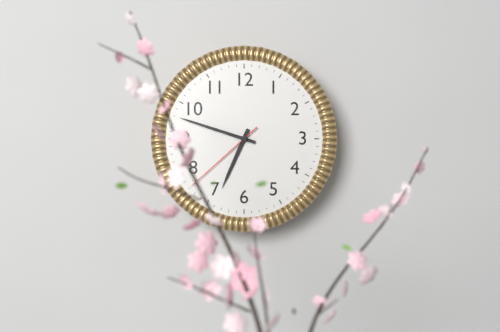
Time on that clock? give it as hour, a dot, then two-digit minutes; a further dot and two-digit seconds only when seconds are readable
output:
6.48.38
